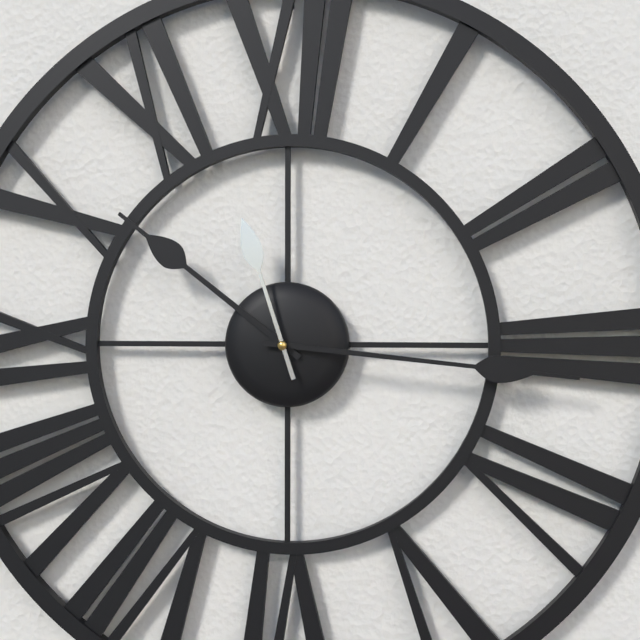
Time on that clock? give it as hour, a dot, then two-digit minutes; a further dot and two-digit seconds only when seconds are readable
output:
10.16.57
